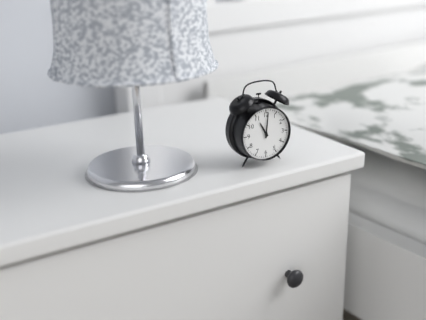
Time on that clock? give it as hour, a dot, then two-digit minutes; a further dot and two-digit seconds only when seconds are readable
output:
11.01
